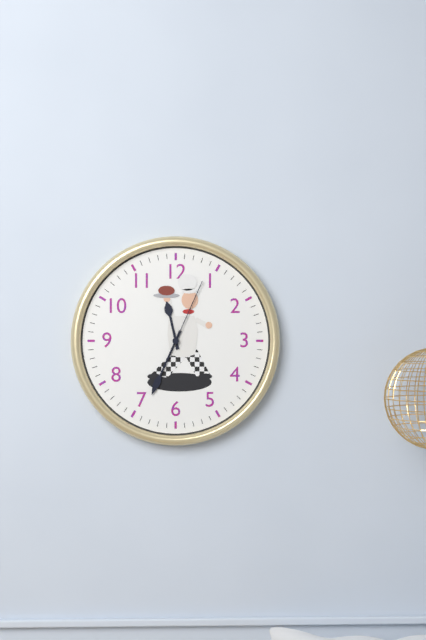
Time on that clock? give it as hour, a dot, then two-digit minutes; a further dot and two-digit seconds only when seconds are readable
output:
11.34.04
